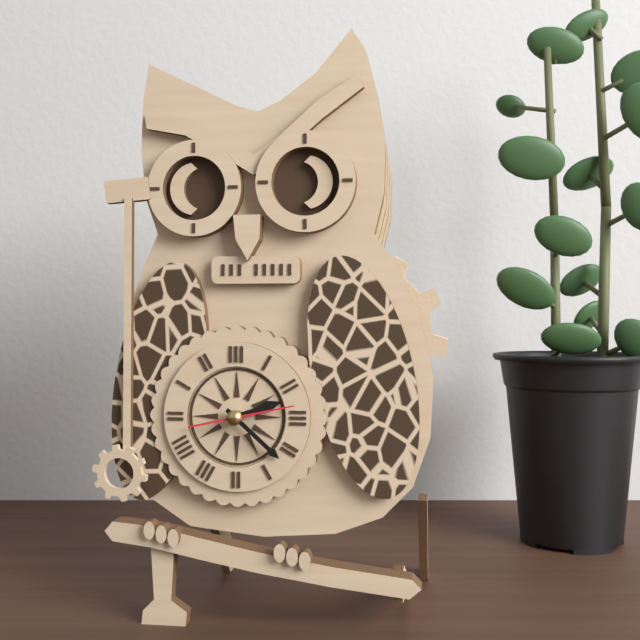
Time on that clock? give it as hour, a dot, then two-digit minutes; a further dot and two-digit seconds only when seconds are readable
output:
2.22.13
